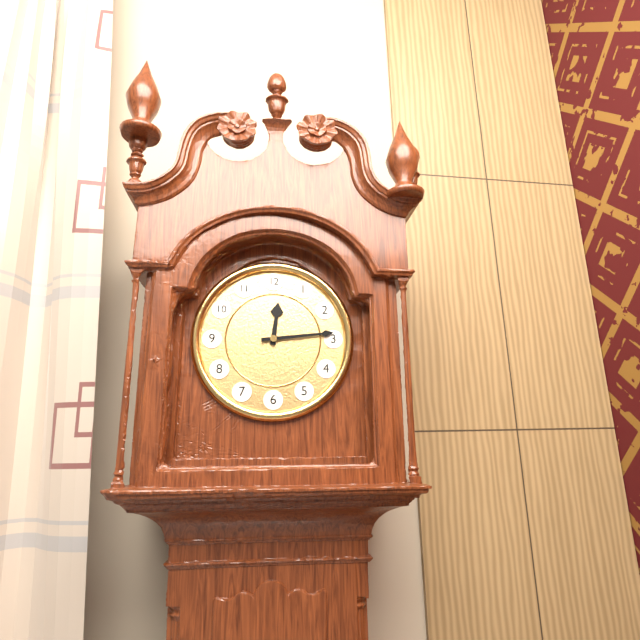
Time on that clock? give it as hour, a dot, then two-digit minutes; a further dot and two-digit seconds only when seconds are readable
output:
12.14
